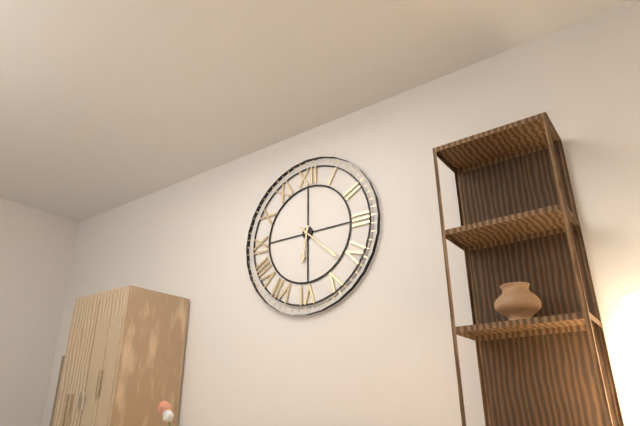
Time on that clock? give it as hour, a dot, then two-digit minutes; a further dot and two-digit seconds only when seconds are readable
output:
6.22
